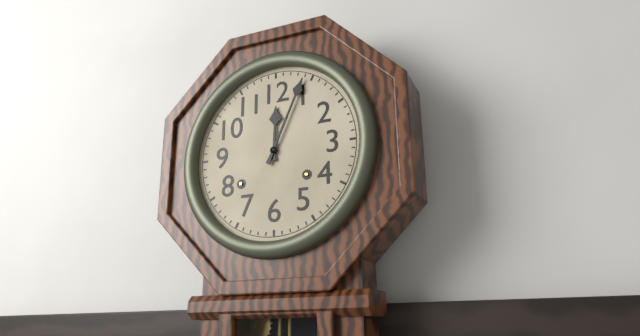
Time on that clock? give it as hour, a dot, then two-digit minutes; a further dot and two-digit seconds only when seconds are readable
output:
12.04
